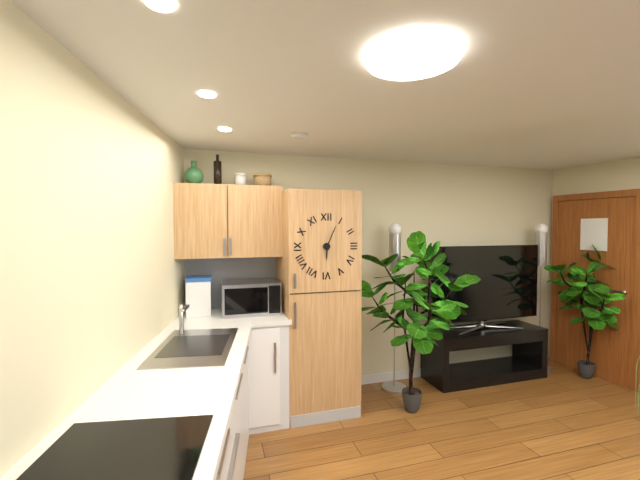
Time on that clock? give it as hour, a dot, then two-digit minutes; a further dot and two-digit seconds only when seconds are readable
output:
6.04
